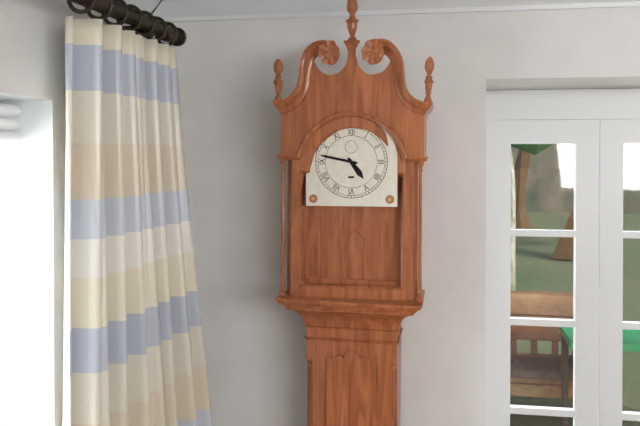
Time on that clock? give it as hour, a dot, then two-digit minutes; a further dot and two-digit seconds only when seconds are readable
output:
4.47
